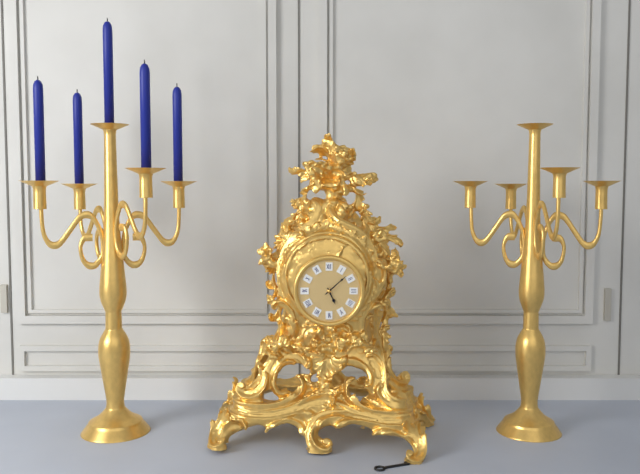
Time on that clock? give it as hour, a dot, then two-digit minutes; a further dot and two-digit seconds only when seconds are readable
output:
5.08
